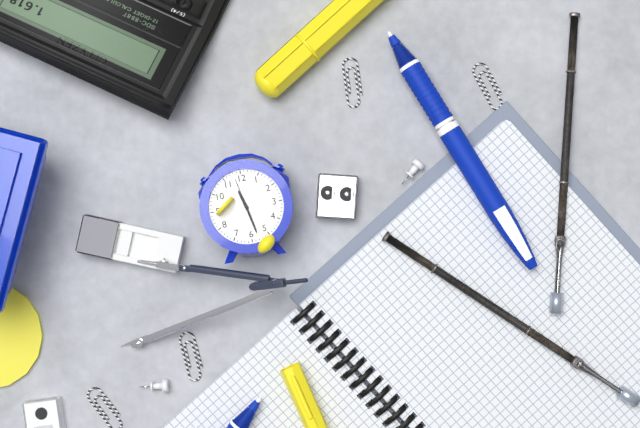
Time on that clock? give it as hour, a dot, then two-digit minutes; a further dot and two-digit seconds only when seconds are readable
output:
11.28
